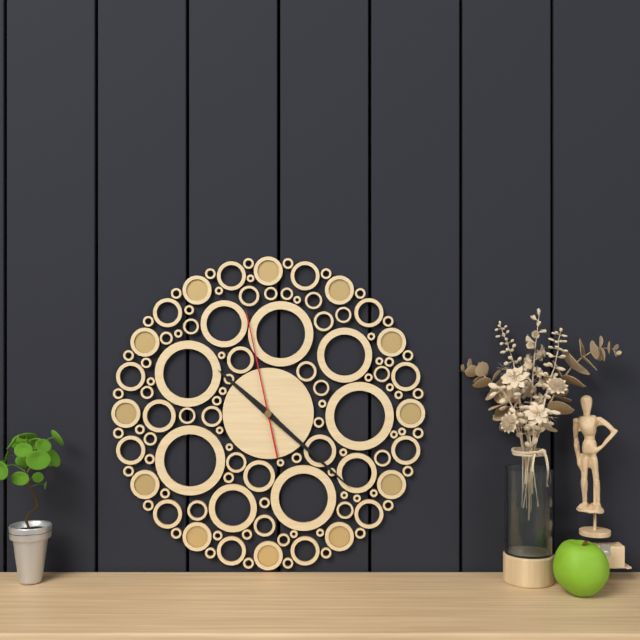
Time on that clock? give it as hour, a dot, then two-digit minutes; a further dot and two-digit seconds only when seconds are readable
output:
10.22.58
